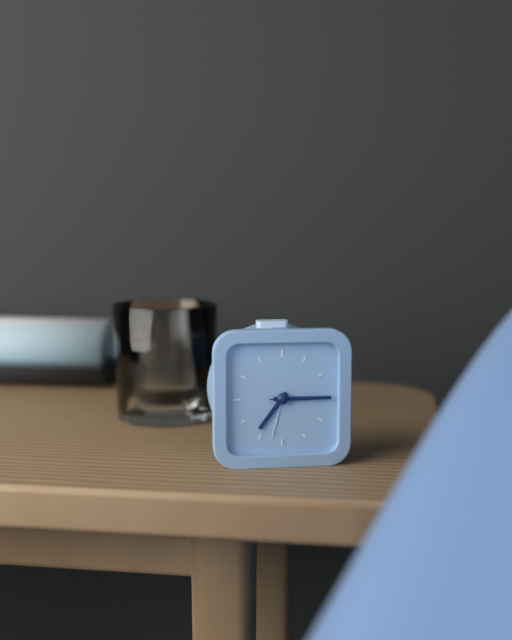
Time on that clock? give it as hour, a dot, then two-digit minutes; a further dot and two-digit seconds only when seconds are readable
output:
7.15.15
